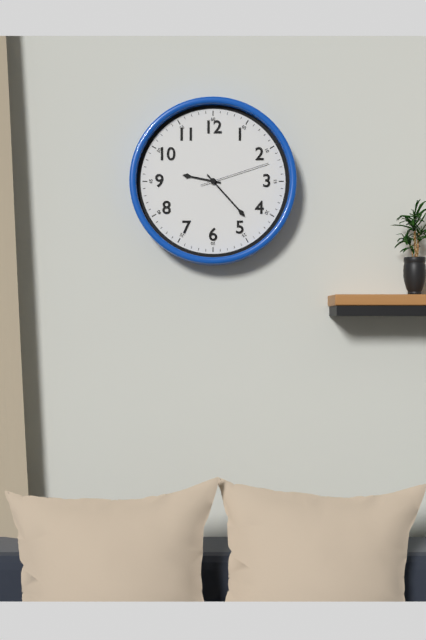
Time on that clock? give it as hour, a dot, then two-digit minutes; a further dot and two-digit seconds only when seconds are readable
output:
9.23.12
